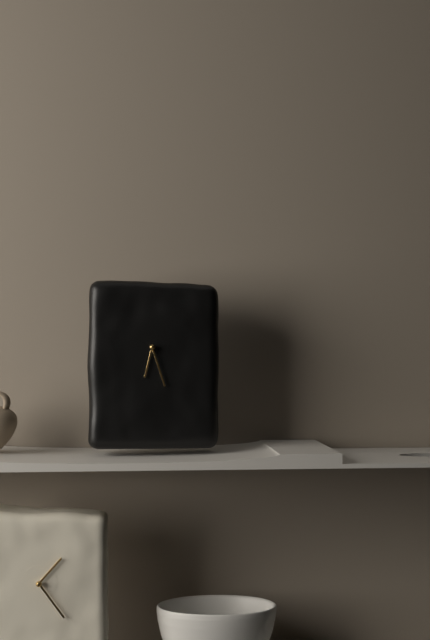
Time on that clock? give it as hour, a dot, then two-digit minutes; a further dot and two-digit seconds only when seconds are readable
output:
6.27
